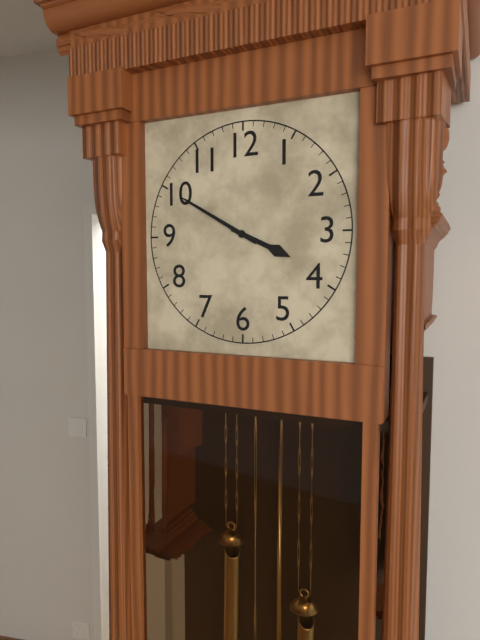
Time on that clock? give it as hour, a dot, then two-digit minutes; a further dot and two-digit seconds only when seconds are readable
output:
3.50
